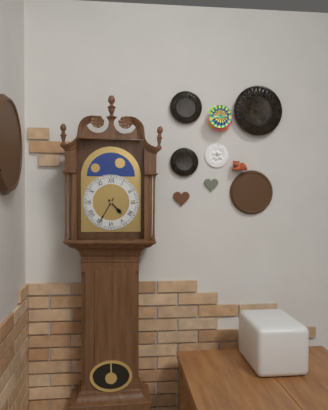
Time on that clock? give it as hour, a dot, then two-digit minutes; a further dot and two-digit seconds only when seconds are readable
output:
4.35
